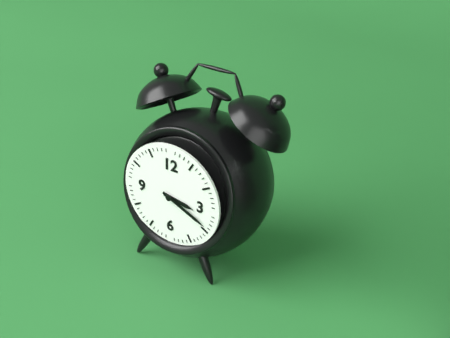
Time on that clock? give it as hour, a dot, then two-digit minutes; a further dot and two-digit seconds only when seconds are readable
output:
3.19
